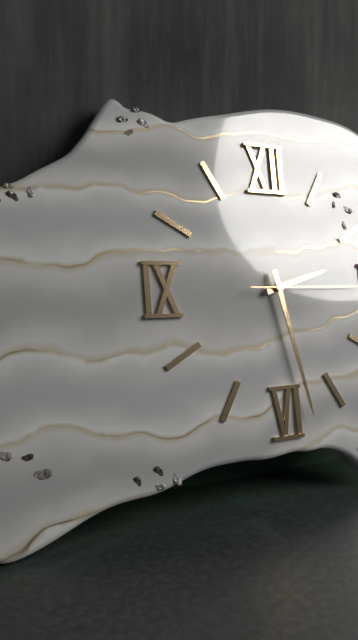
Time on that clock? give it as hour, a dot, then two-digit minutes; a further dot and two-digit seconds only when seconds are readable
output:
2.28
